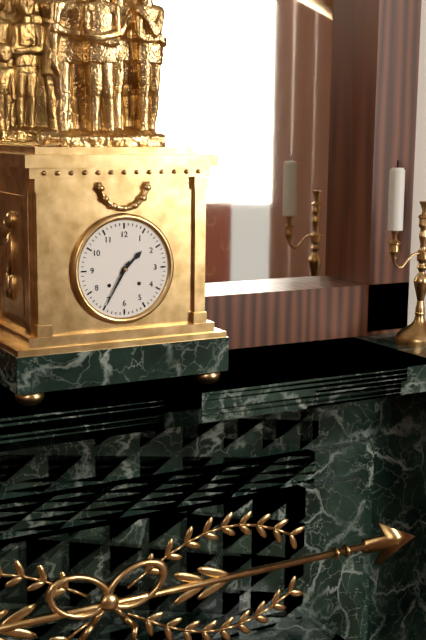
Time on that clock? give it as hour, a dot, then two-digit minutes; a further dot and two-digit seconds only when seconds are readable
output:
1.35
